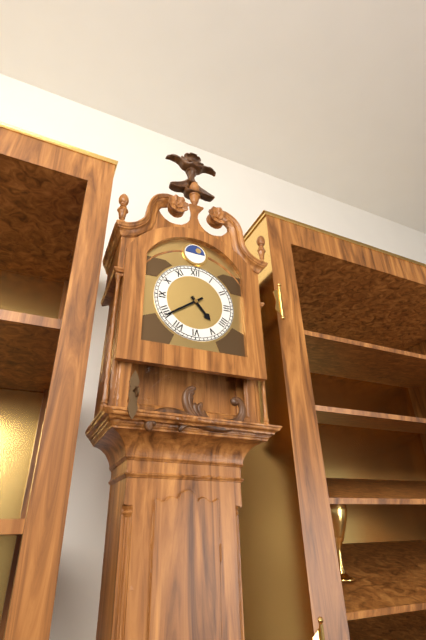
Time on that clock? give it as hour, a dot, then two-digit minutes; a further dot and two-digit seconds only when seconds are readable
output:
4.39
